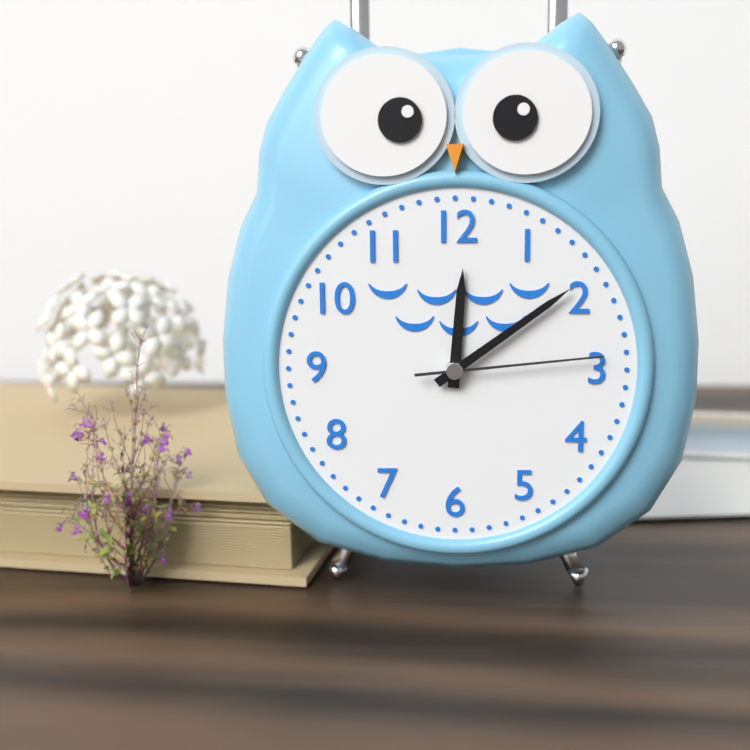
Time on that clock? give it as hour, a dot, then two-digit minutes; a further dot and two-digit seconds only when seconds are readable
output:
12.09.14
